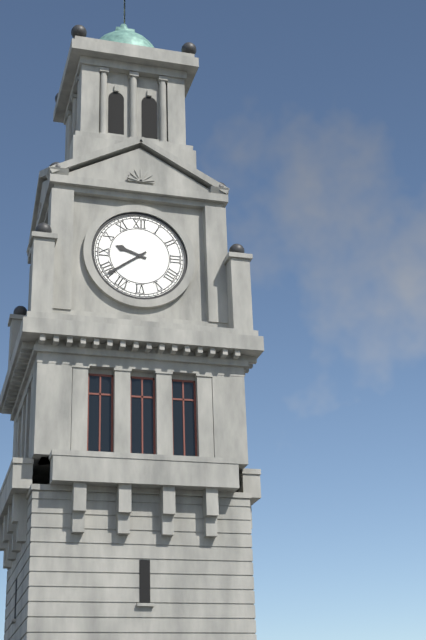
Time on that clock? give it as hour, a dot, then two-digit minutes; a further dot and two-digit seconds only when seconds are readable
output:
9.39
